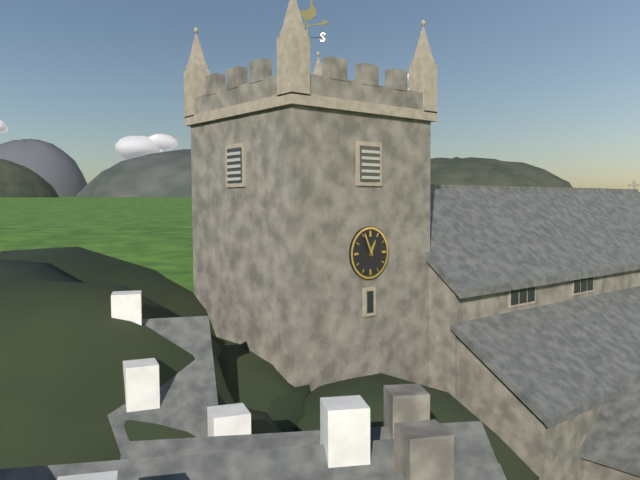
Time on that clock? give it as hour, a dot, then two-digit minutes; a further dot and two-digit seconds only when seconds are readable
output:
12.56
